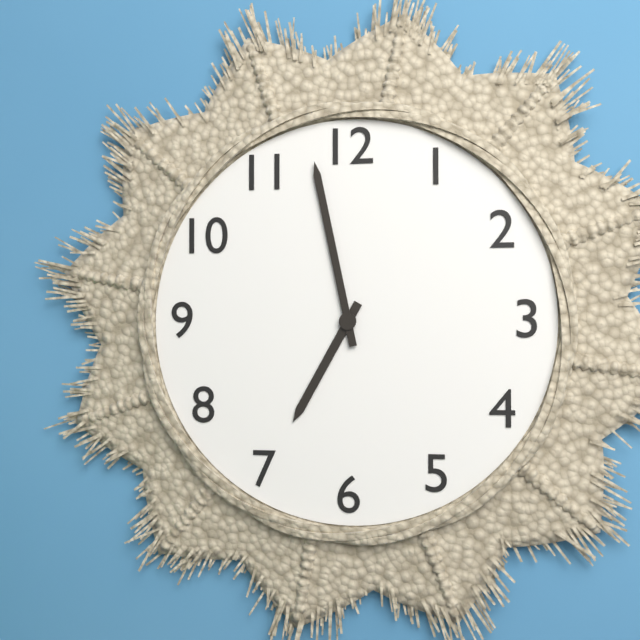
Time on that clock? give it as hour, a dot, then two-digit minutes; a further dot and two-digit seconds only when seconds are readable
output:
6.58
